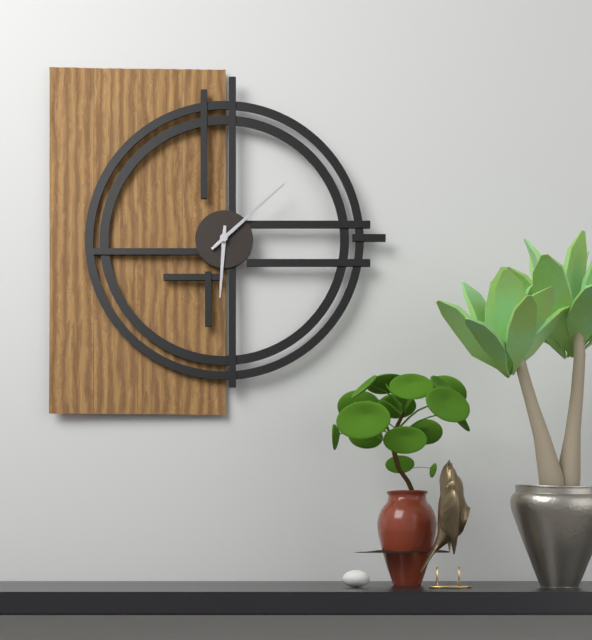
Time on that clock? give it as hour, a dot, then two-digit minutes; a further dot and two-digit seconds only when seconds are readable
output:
6.08
